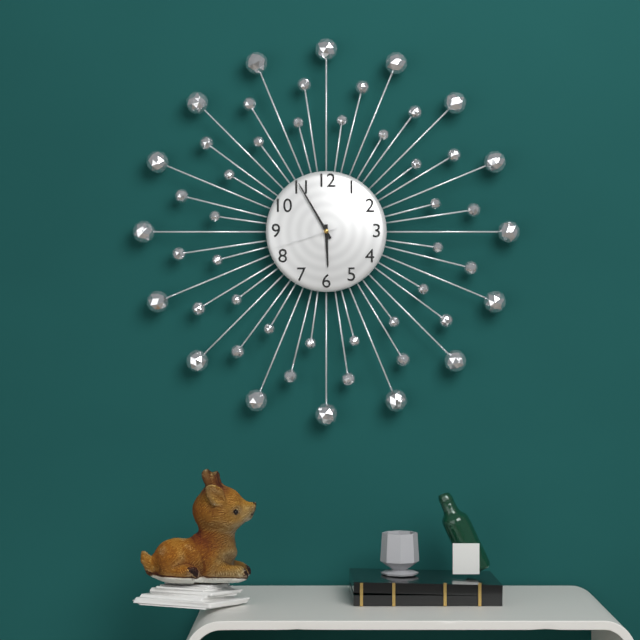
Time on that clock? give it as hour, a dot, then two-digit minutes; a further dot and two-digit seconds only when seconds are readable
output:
5.55.42
